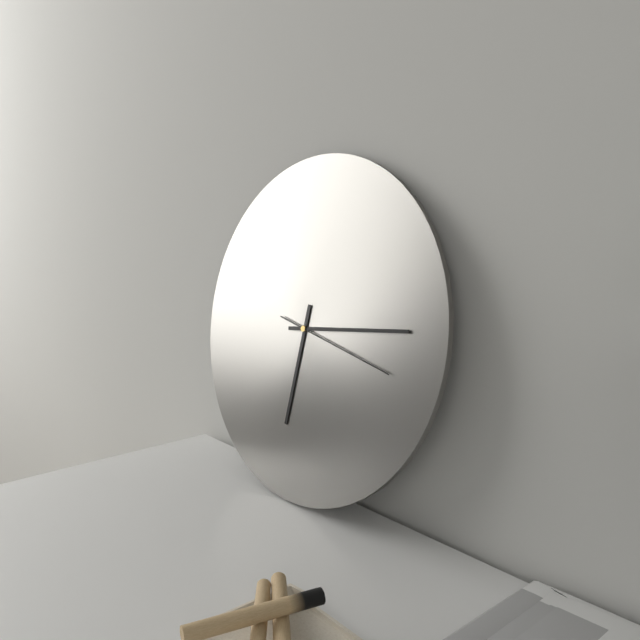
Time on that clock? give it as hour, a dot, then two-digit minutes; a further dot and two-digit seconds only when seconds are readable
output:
6.14.17
